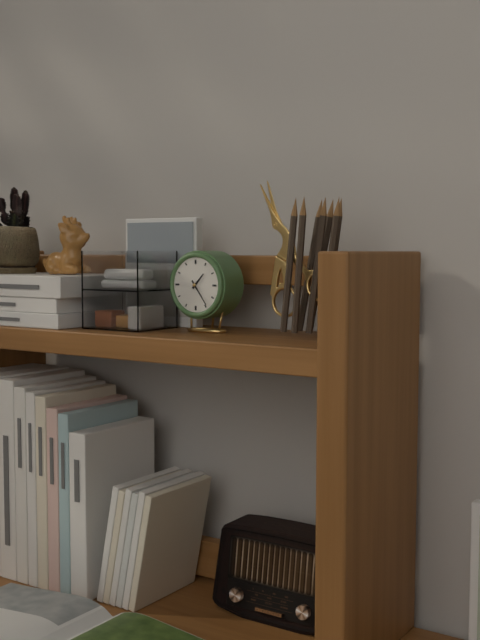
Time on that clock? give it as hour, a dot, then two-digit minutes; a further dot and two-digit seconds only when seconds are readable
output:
1.24
